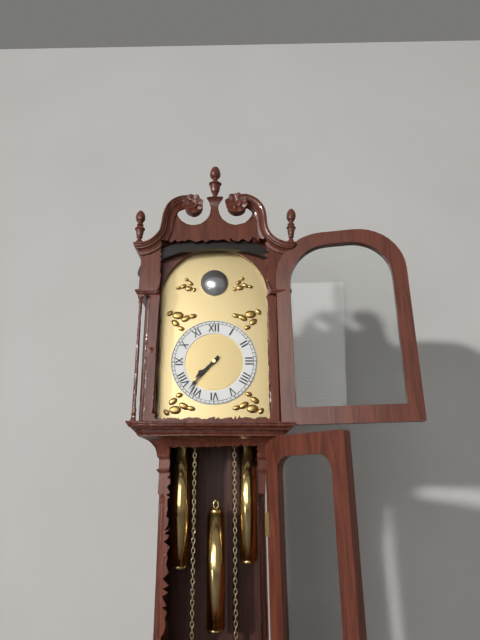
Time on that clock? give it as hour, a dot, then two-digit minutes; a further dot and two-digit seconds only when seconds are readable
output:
7.37
